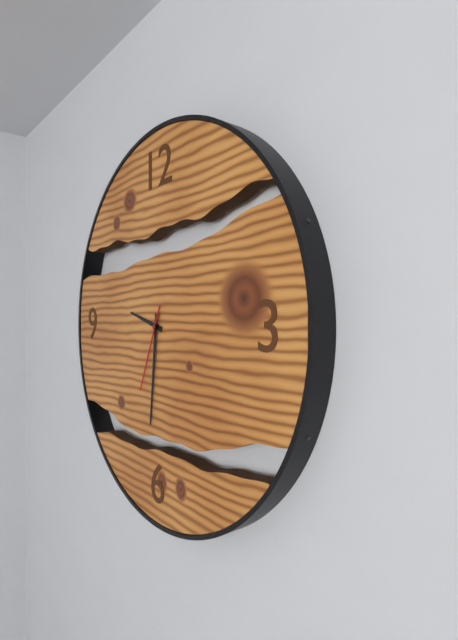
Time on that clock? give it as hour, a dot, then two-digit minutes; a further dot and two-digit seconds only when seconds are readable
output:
9.31.34
